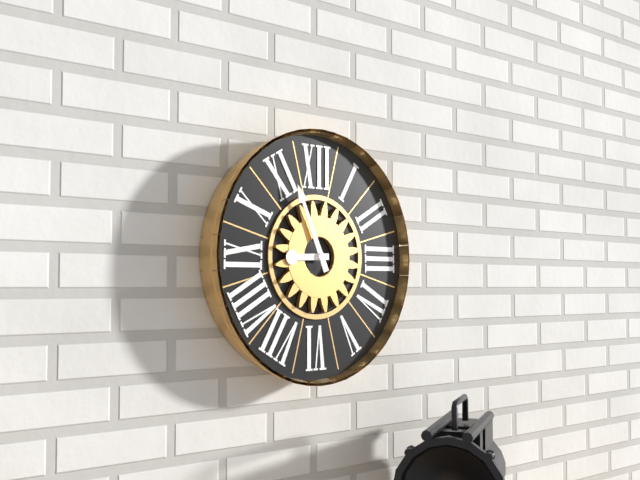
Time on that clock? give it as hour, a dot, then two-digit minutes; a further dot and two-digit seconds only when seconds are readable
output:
8.56
